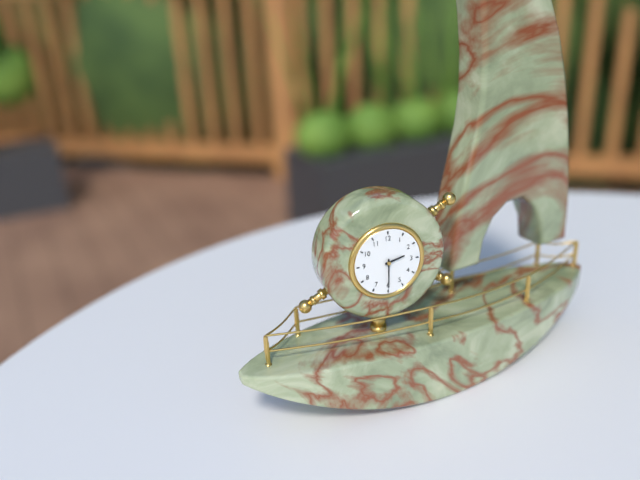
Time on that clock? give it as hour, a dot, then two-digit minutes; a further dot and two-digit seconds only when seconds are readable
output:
2.30
